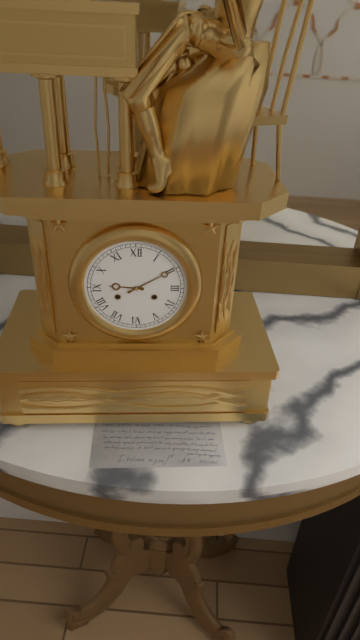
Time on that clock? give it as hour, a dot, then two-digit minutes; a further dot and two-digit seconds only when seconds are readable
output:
9.10
